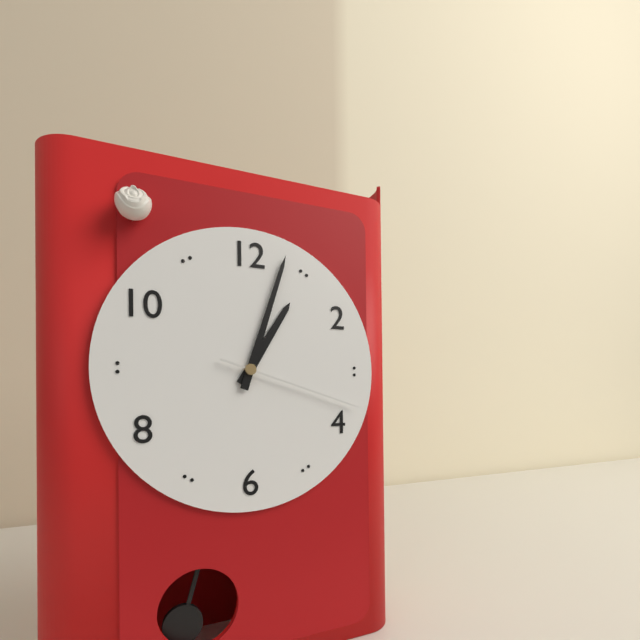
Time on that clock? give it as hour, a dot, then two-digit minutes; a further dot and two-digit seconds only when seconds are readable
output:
1.03.18
